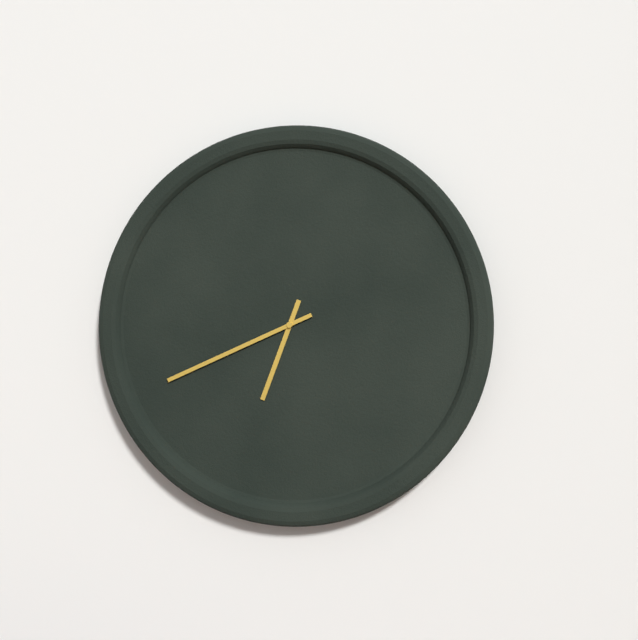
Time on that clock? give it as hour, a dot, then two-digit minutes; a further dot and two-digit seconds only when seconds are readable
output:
6.41
